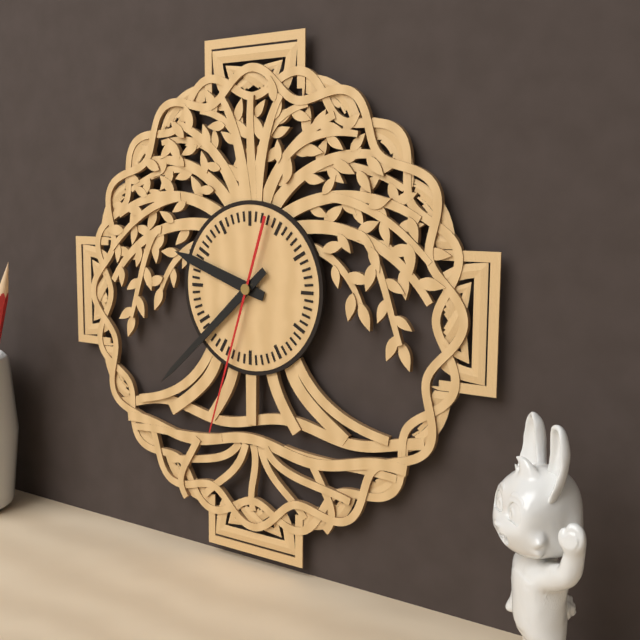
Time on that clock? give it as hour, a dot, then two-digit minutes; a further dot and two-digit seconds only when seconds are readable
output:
9.38.33
